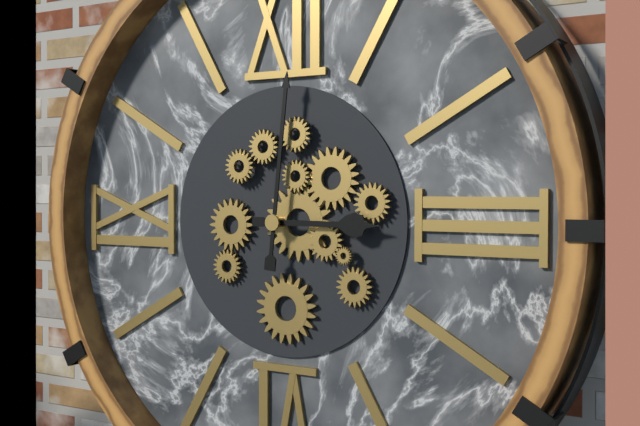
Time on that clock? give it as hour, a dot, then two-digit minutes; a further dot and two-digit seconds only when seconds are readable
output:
3.01
